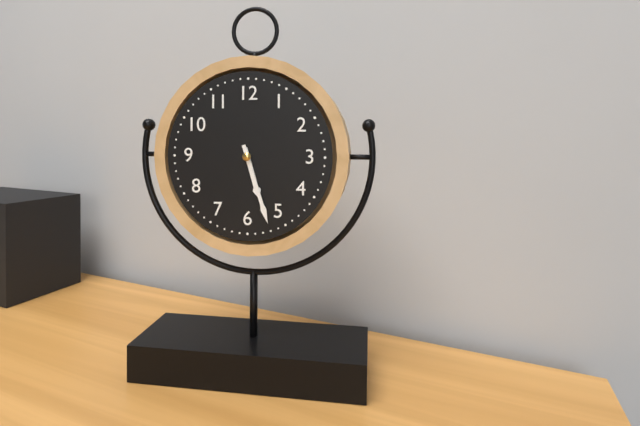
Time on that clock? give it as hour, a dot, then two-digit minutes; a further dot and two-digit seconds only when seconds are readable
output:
5.27
